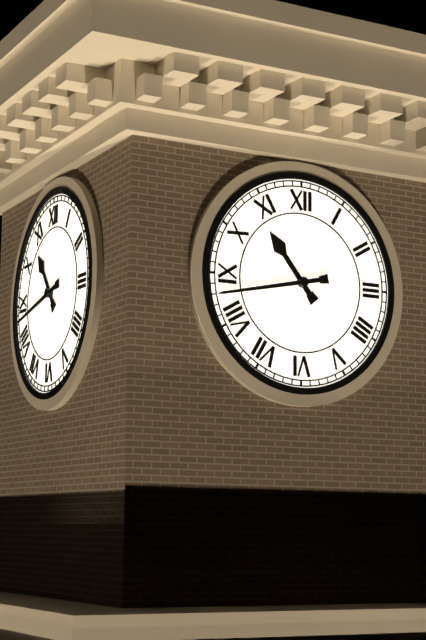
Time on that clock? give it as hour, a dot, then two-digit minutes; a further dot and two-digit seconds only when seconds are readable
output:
10.43
